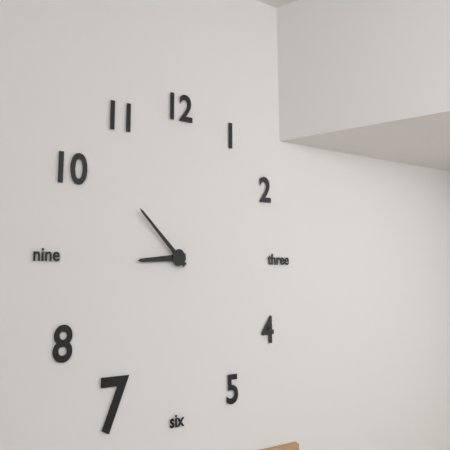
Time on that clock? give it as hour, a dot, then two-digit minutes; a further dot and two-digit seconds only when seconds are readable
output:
8.52
